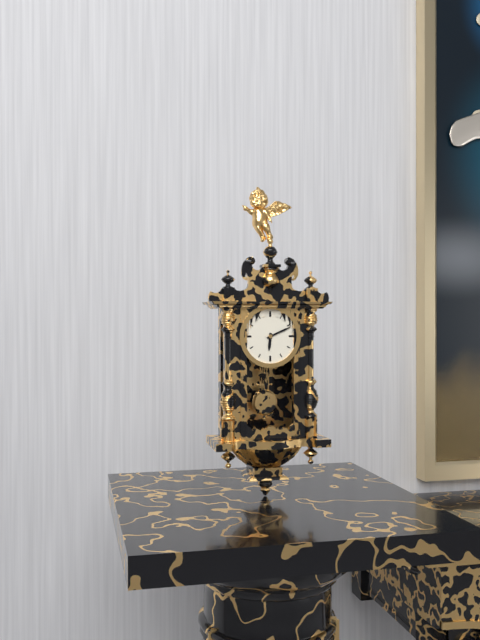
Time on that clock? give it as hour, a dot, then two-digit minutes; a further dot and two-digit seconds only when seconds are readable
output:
6.11
